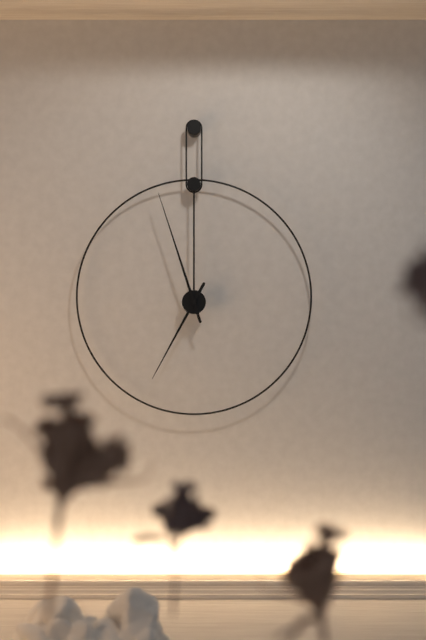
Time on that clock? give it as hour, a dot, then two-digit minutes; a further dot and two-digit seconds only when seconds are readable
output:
6.57
